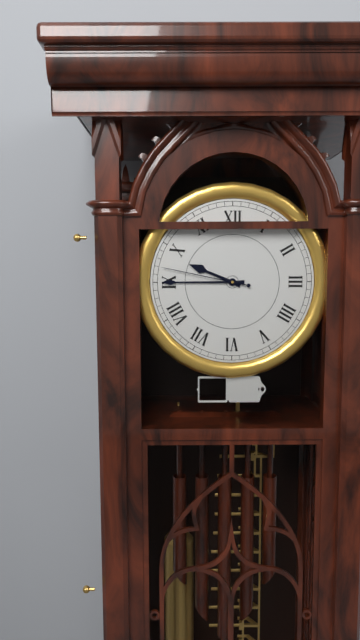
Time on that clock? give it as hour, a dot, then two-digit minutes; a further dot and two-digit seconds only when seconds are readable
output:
9.45.47
